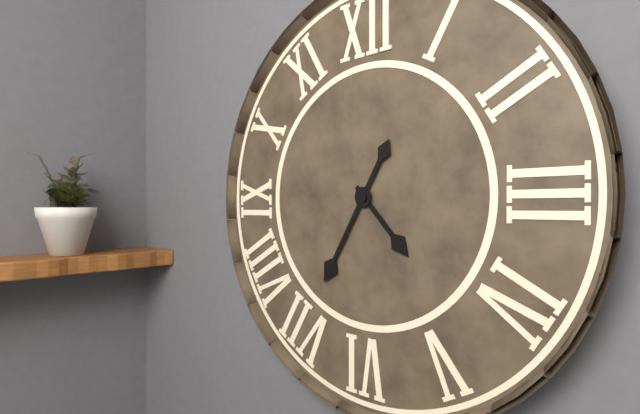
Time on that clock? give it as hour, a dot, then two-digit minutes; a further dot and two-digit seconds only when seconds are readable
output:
4.35
